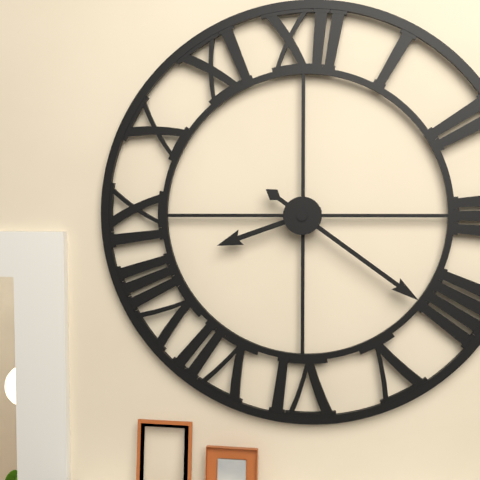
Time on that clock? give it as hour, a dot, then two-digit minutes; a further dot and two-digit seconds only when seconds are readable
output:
8.21
